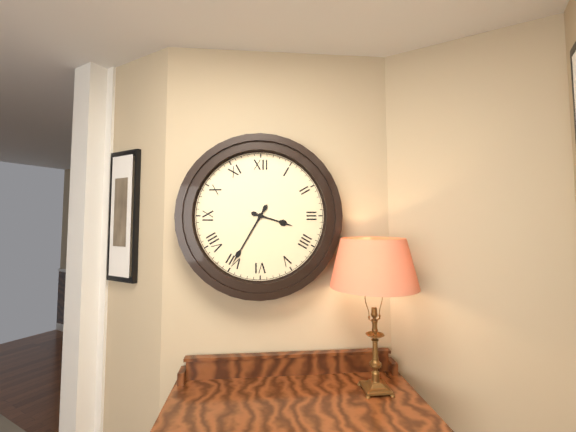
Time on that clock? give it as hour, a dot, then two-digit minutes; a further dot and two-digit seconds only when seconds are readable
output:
3.35
